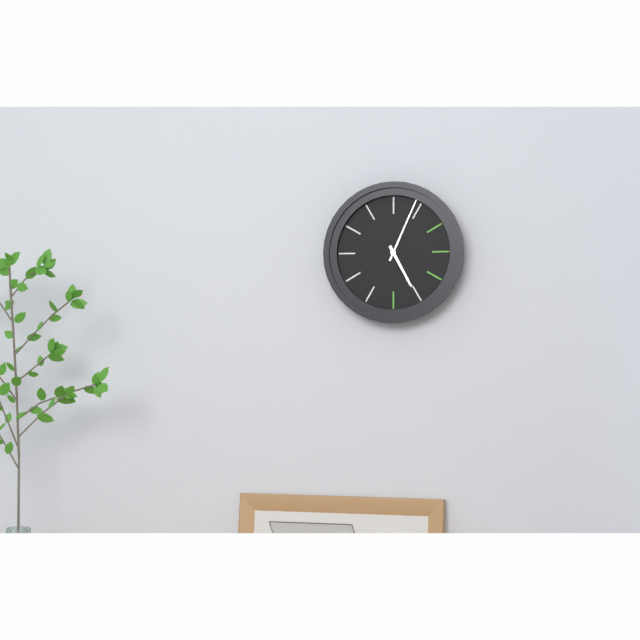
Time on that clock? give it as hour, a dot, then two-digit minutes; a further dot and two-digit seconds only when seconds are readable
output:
5.04
